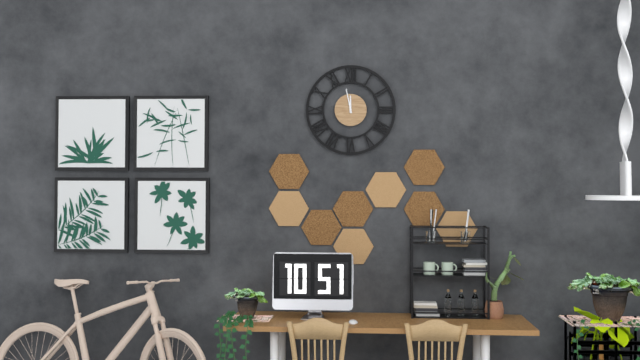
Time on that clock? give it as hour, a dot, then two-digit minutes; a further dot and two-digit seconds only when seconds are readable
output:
11.58
